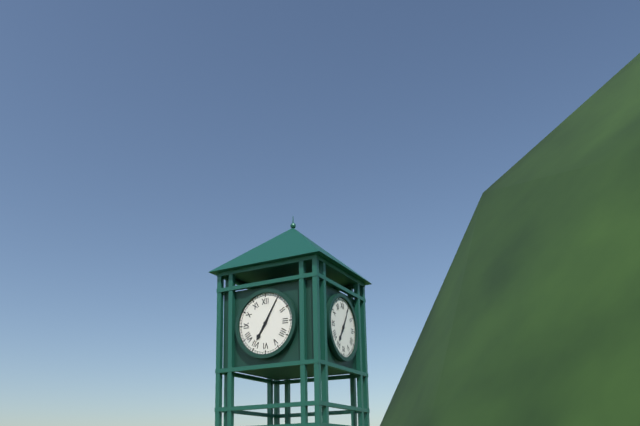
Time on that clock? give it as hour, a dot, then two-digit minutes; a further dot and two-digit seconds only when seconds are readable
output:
7.05
